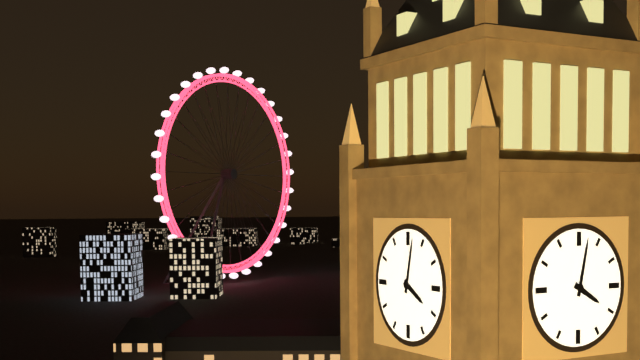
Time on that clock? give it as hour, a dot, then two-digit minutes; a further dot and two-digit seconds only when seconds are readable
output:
4.02
